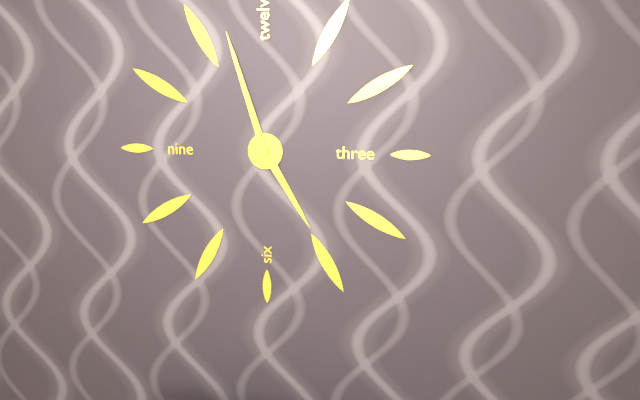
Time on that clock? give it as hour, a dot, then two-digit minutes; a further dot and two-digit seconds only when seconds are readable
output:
4.57
